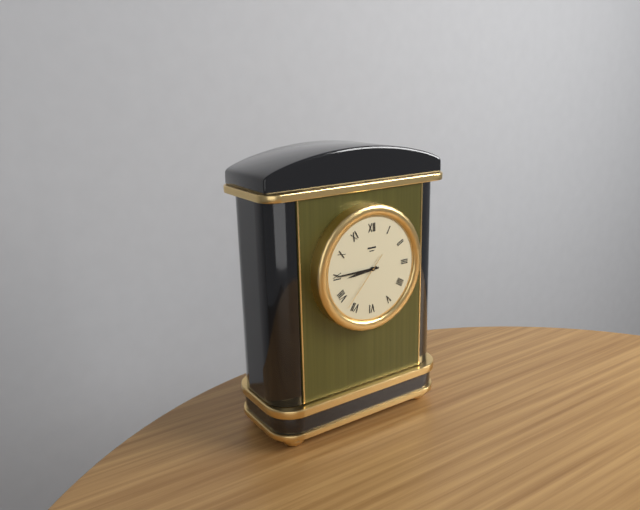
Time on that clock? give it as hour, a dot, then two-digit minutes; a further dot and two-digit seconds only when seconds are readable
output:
8.45.37
